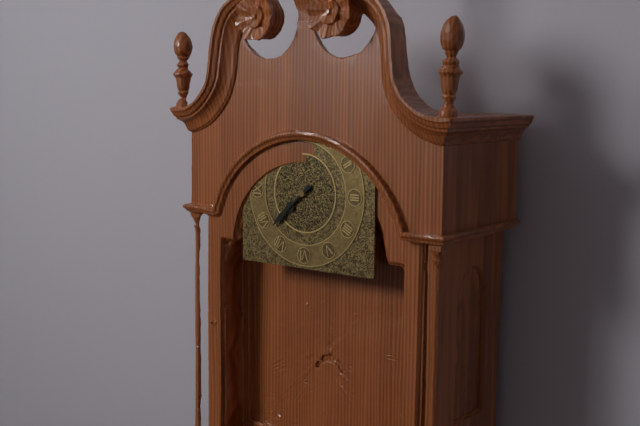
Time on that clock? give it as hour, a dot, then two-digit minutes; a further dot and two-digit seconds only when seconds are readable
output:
7.38
